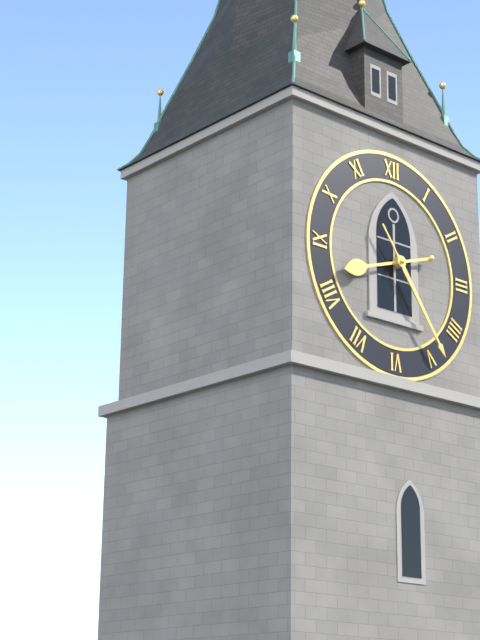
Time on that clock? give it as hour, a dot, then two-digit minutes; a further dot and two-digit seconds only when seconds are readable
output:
8.24
